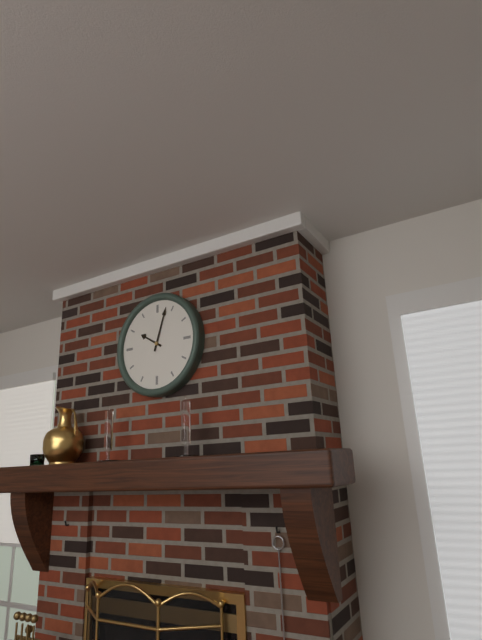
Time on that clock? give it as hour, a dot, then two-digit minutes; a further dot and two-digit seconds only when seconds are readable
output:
10.03
